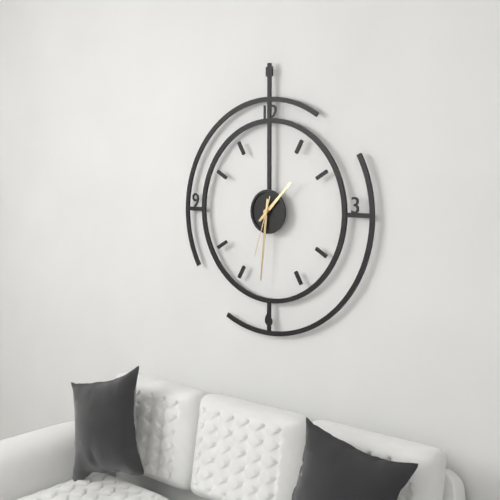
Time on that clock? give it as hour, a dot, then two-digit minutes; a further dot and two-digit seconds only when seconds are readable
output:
1.31.33
